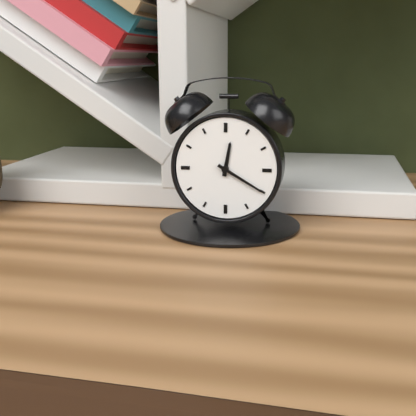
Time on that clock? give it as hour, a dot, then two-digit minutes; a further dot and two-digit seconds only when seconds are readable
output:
12.20
